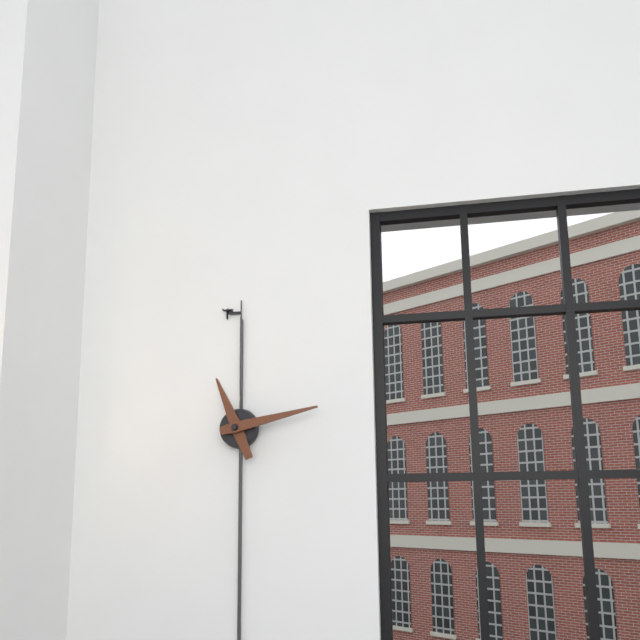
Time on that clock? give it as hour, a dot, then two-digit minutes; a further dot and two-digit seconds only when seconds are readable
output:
11.13
